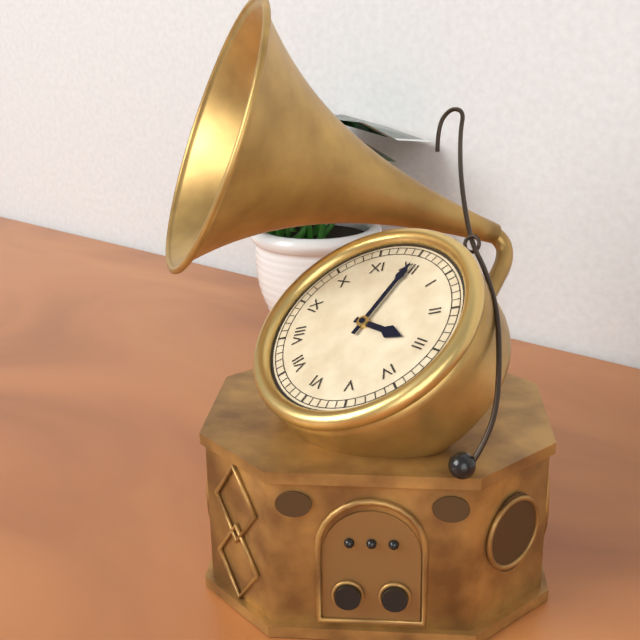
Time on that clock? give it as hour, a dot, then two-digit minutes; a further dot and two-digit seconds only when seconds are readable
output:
3.00
